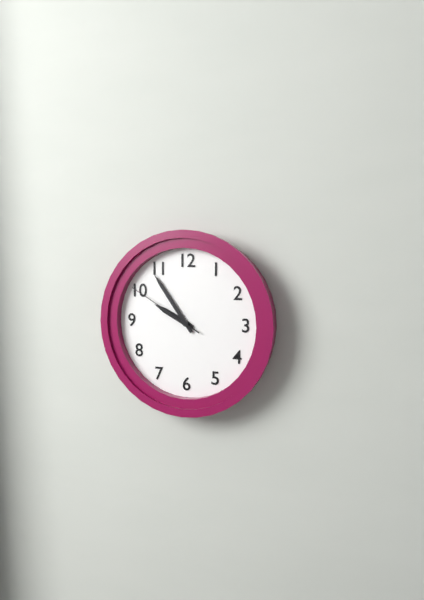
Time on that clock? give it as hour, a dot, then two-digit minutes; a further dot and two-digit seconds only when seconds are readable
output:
9.54.50
